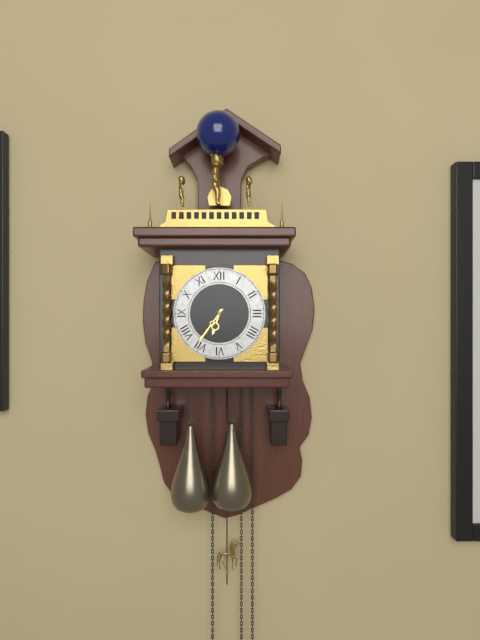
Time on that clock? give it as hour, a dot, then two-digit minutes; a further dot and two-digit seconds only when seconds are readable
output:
6.36
